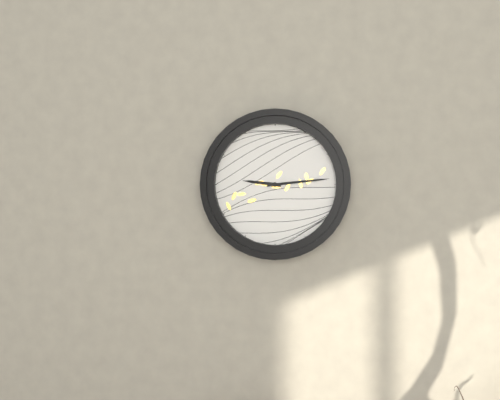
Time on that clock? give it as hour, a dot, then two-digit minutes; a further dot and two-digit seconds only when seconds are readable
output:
9.14
